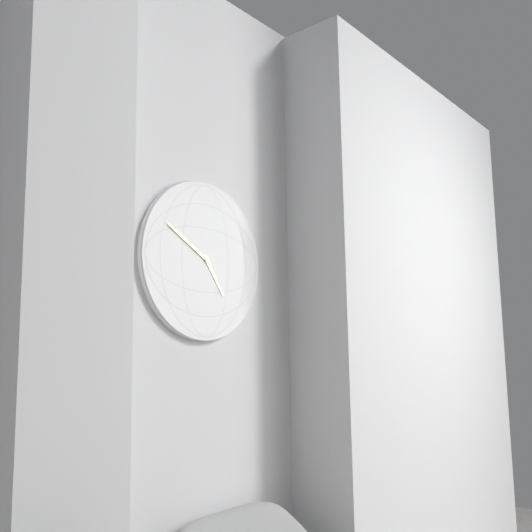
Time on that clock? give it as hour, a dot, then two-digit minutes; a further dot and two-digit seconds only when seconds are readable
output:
4.50
